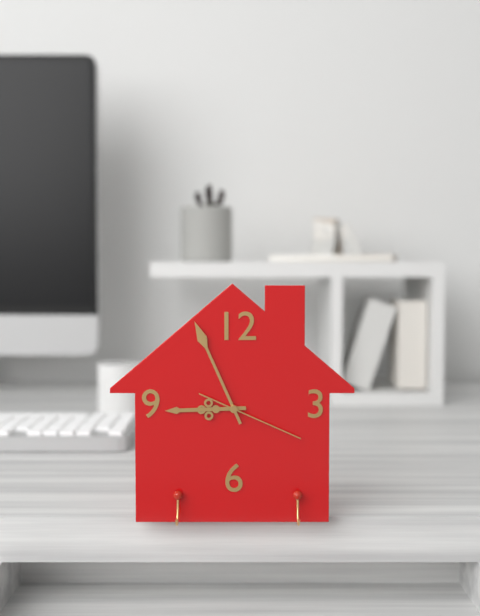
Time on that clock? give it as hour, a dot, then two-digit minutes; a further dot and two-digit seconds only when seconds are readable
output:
8.56.19
